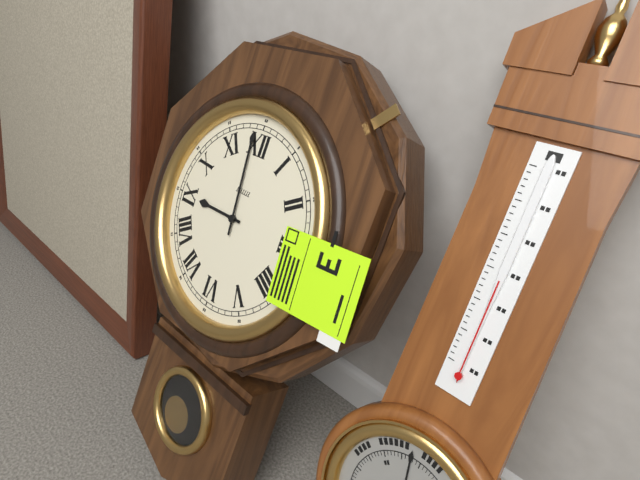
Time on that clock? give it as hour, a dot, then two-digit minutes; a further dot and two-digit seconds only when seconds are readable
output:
8.59
